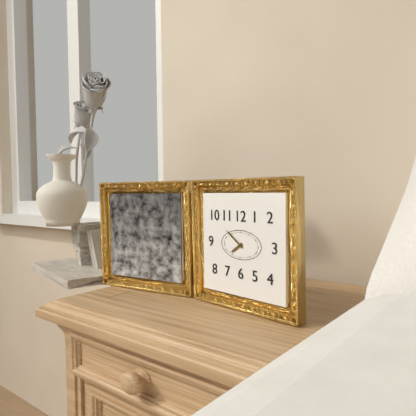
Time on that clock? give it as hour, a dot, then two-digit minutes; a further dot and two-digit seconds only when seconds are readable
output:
7.51
